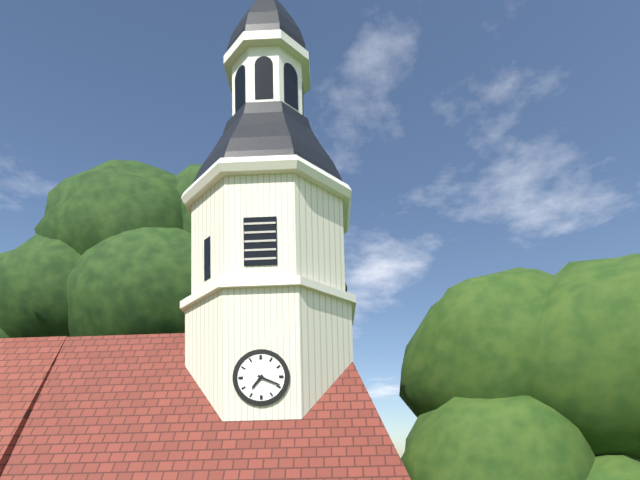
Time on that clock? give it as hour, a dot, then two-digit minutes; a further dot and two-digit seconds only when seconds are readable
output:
7.19
